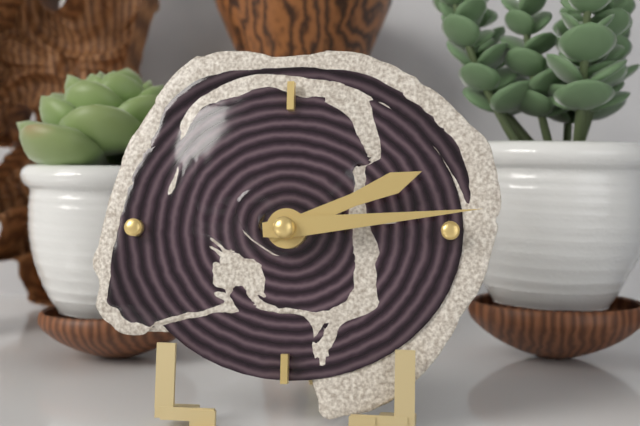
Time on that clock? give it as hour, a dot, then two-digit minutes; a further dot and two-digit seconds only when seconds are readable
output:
2.14
